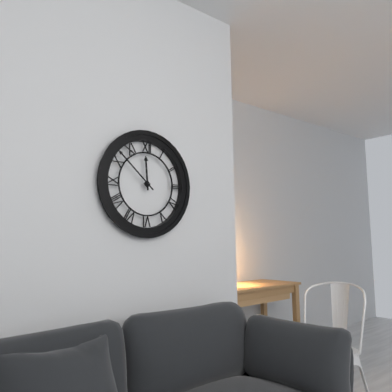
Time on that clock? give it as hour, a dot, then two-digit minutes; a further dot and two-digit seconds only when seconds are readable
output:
11.52
